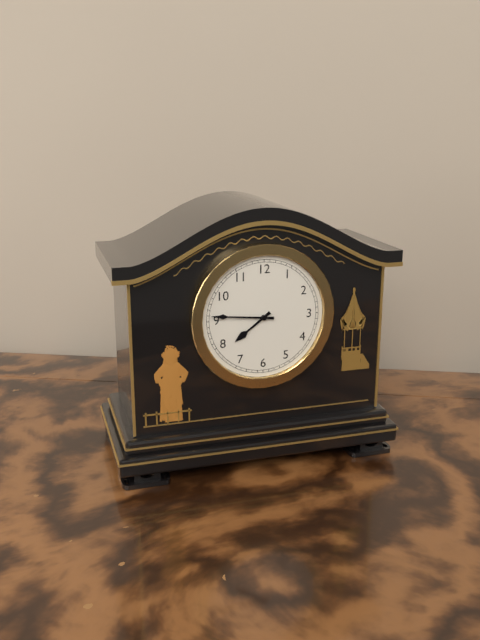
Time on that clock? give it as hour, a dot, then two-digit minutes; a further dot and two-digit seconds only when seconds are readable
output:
7.46
